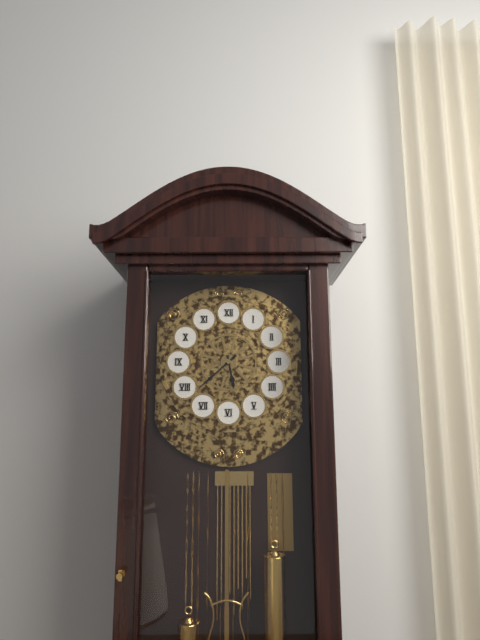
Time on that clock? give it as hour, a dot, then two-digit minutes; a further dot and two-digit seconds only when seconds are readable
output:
5.38
